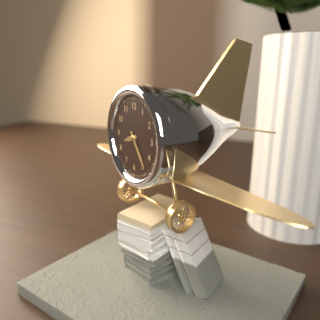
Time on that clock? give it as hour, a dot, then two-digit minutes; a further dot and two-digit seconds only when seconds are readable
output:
8.24
